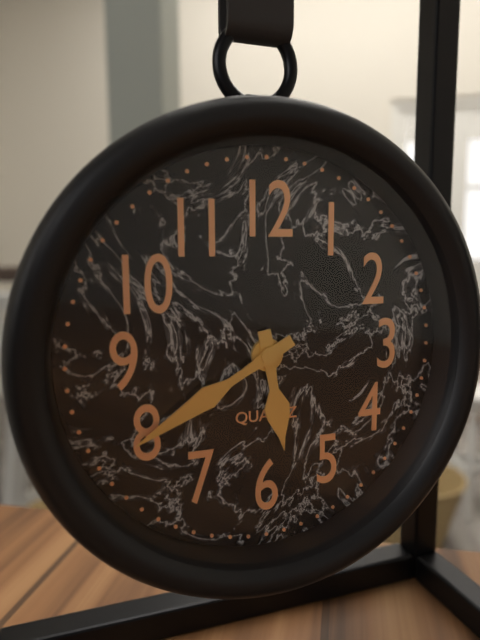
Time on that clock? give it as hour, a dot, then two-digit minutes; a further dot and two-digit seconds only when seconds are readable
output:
5.40
